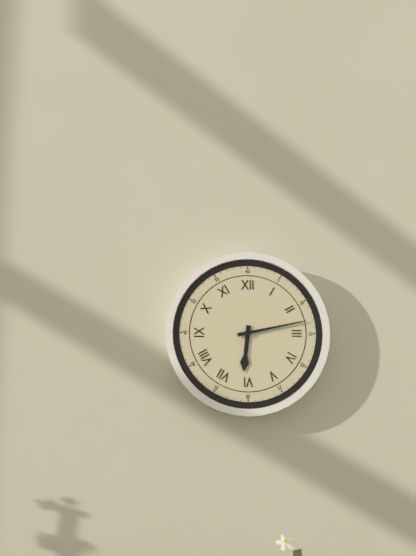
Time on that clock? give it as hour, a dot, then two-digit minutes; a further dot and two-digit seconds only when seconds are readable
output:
6.13
